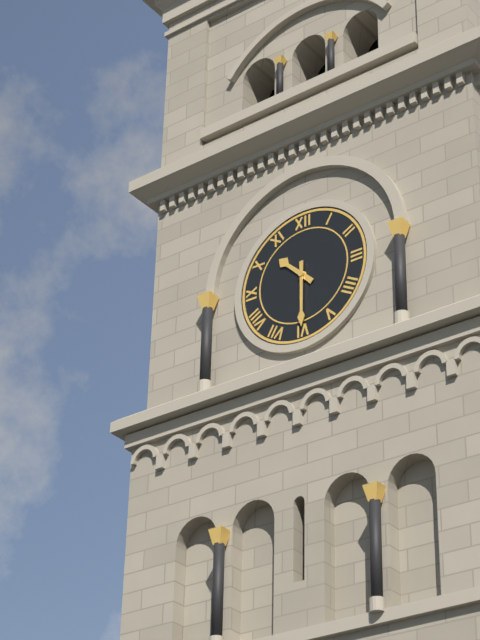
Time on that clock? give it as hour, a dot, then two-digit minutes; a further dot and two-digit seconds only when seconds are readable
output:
10.30
